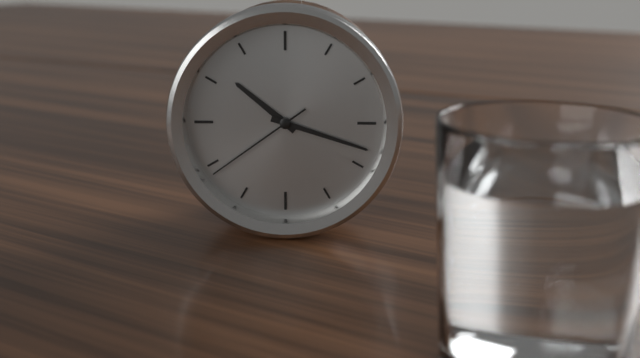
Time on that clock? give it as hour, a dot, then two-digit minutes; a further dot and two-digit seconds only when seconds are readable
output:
10.18.39
